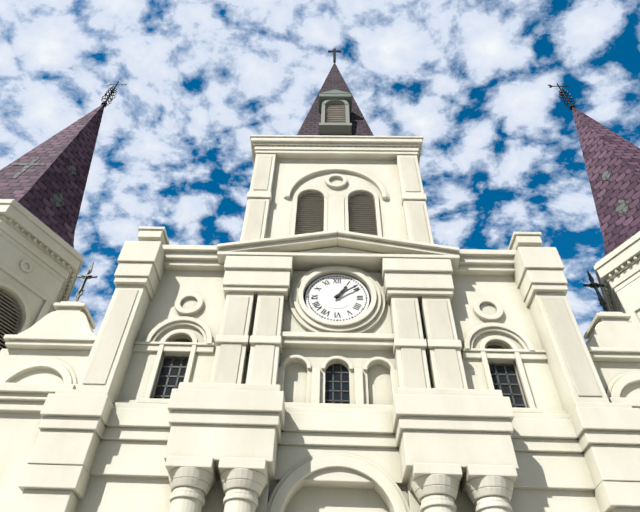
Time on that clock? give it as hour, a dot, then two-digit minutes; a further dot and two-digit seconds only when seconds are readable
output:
1.09
